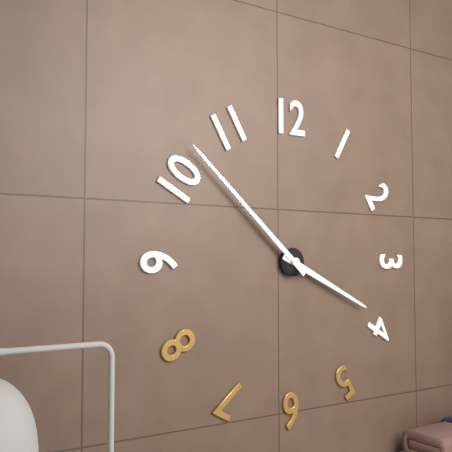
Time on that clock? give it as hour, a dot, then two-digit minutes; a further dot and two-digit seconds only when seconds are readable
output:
3.52
